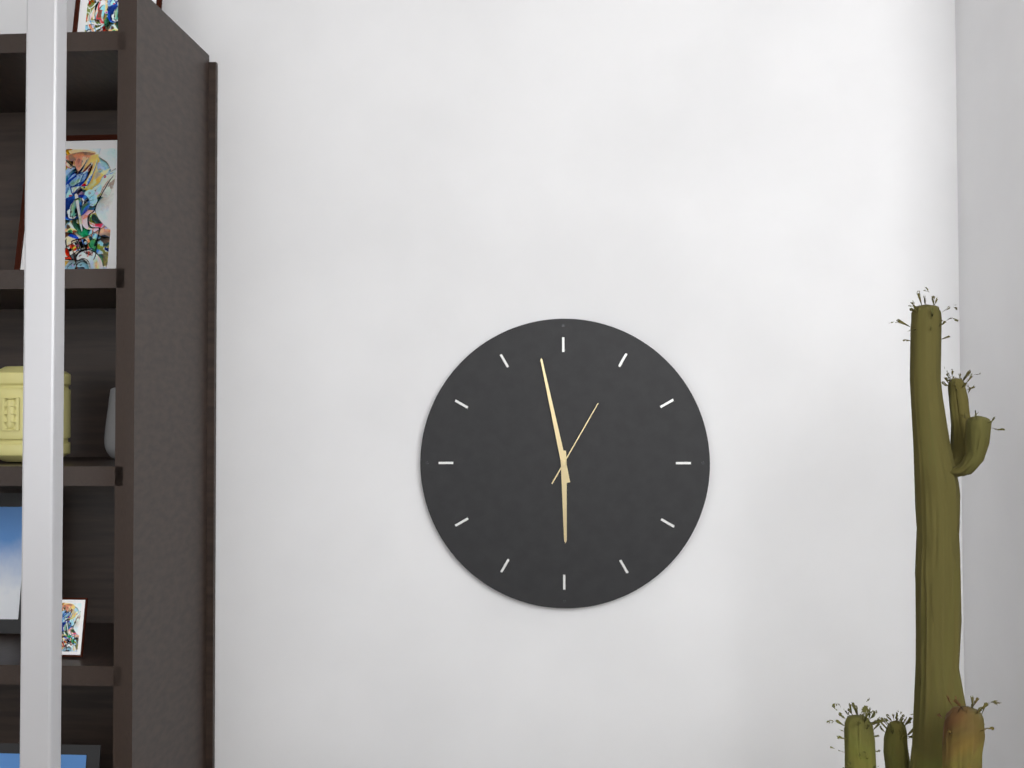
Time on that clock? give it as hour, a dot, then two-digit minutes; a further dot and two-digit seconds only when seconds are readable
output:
5.58.05
